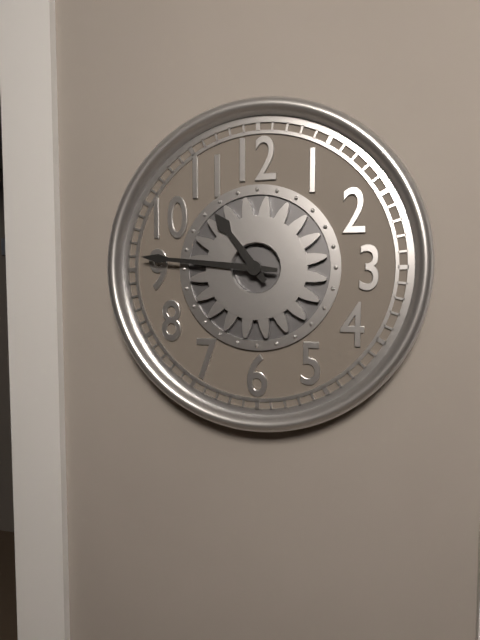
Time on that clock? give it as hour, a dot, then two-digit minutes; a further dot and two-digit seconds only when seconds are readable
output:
10.46
